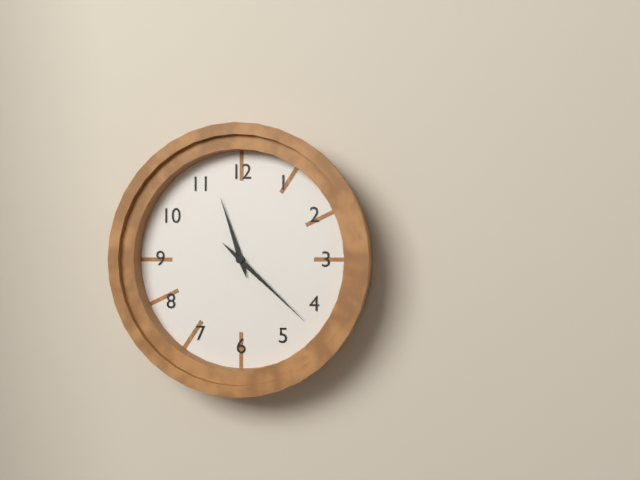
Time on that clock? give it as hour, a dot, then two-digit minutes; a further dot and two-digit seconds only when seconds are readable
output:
11.22
